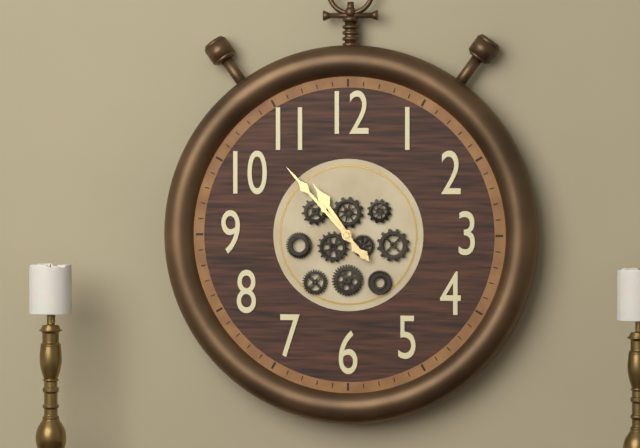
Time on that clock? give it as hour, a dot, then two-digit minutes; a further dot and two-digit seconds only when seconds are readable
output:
10.53
